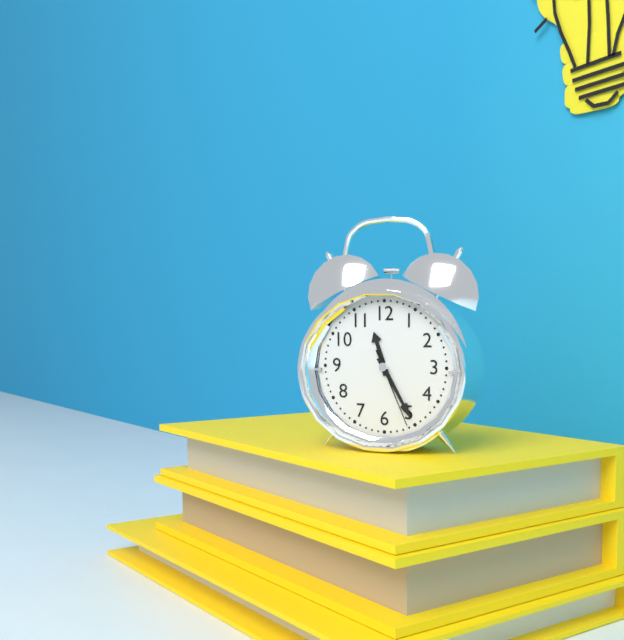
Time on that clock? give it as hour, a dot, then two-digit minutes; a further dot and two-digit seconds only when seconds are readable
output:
11.25.26
